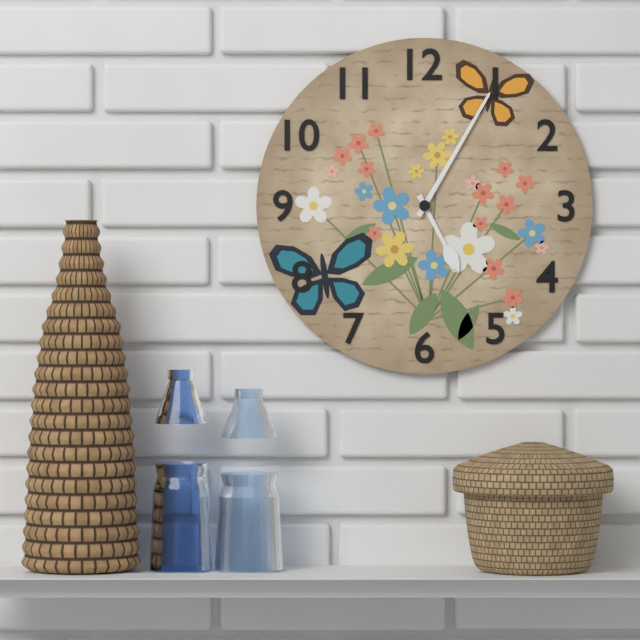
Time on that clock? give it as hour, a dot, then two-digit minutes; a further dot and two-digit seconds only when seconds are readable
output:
5.05
